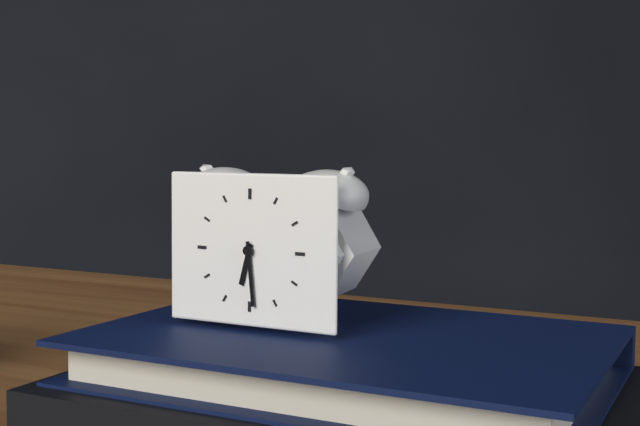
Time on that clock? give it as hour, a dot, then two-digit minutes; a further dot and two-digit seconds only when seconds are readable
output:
6.29
